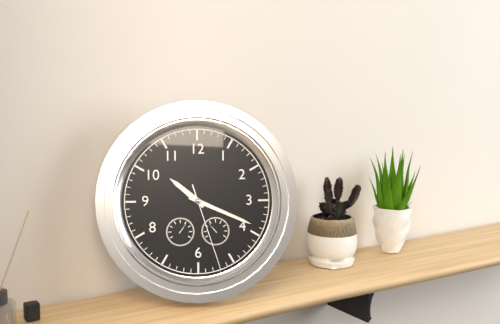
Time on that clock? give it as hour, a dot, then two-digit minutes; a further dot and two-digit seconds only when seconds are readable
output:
10.19.27
